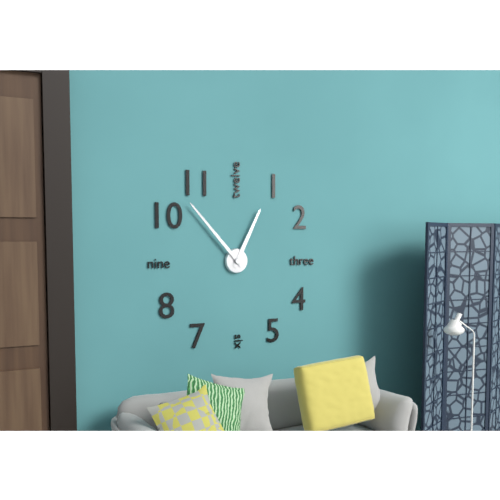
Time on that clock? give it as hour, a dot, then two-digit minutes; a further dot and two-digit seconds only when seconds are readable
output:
12.53
